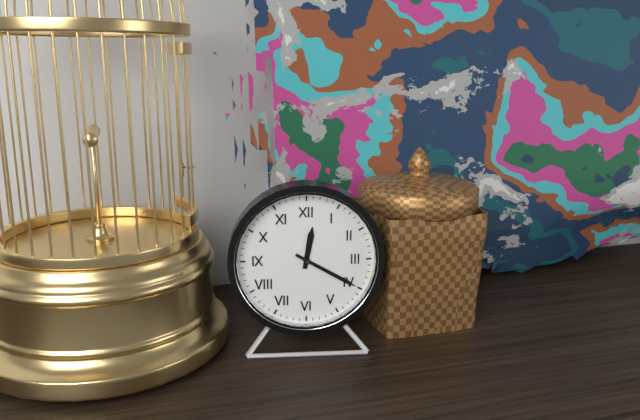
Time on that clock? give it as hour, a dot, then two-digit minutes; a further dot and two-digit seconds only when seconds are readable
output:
12.20
